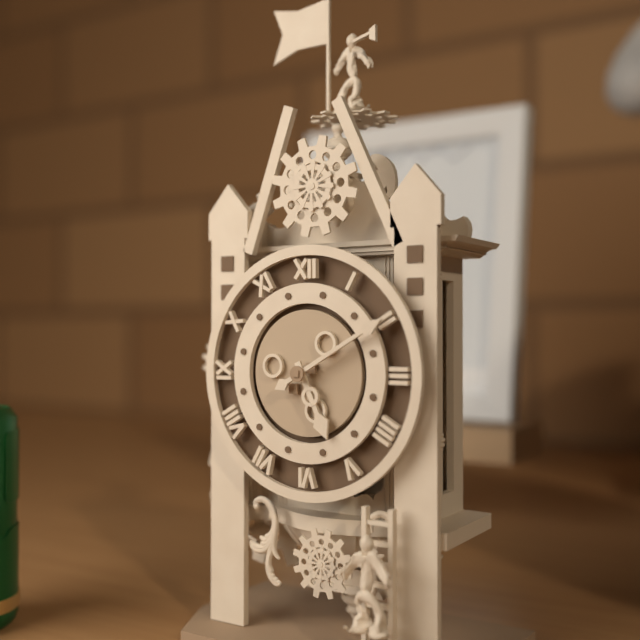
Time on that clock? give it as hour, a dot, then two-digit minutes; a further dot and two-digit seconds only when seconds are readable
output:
5.10
